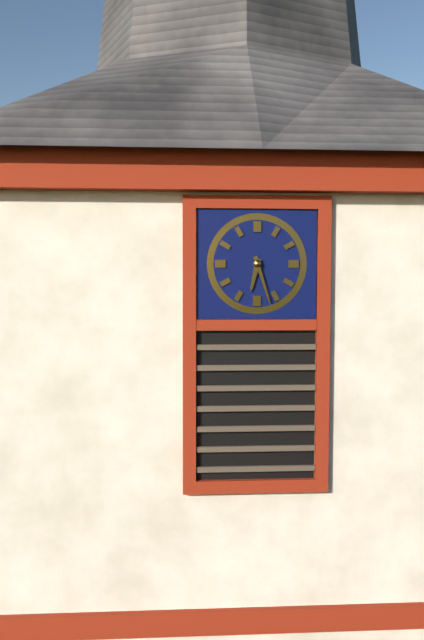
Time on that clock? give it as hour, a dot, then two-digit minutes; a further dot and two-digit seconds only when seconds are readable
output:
6.27
